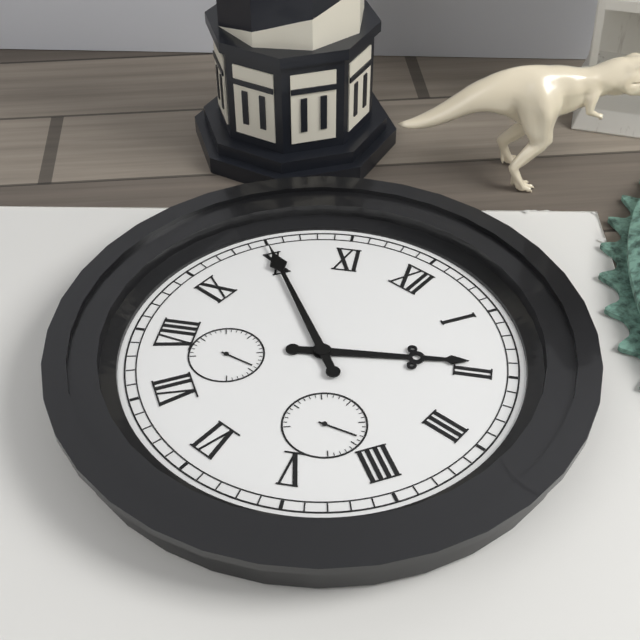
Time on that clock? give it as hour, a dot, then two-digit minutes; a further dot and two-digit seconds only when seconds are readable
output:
1.50
